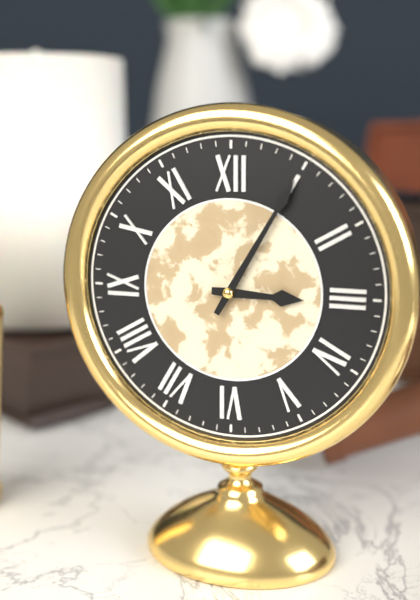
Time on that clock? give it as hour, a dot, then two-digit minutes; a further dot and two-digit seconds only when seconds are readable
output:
3.05
